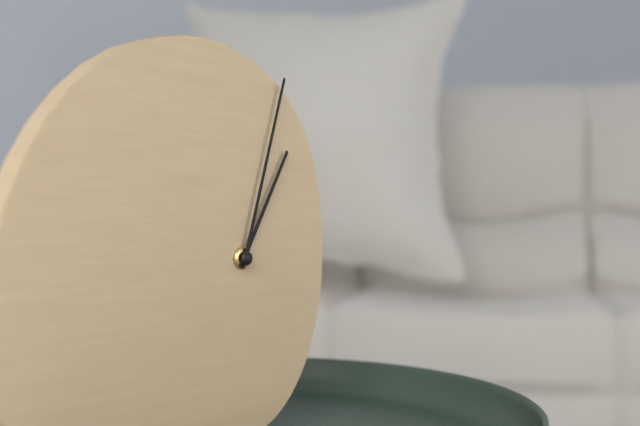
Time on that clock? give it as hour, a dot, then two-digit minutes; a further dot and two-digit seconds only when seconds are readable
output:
1.03
